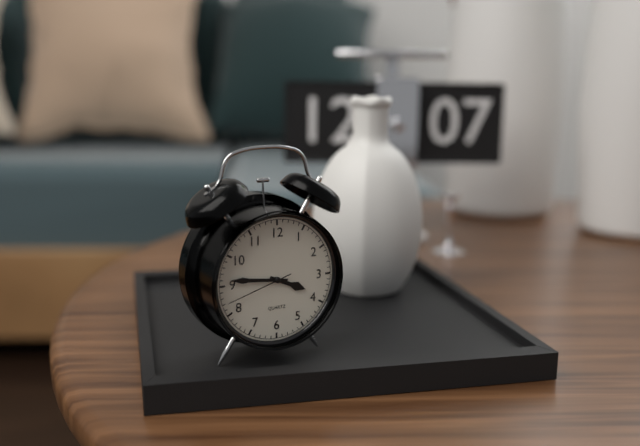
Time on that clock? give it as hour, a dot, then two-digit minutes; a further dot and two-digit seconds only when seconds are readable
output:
3.46.42
